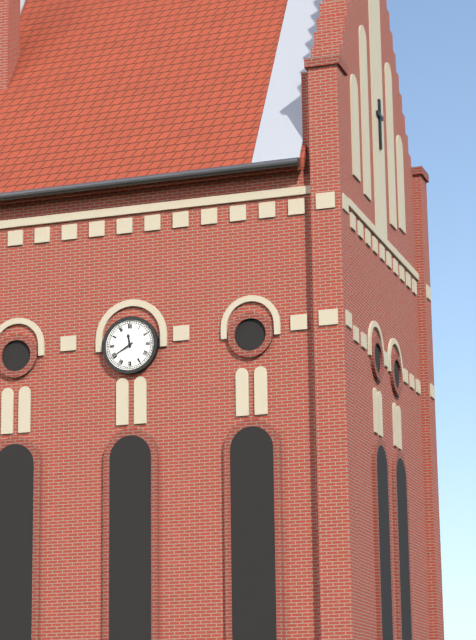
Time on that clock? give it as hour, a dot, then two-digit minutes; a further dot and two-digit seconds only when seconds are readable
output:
11.40
